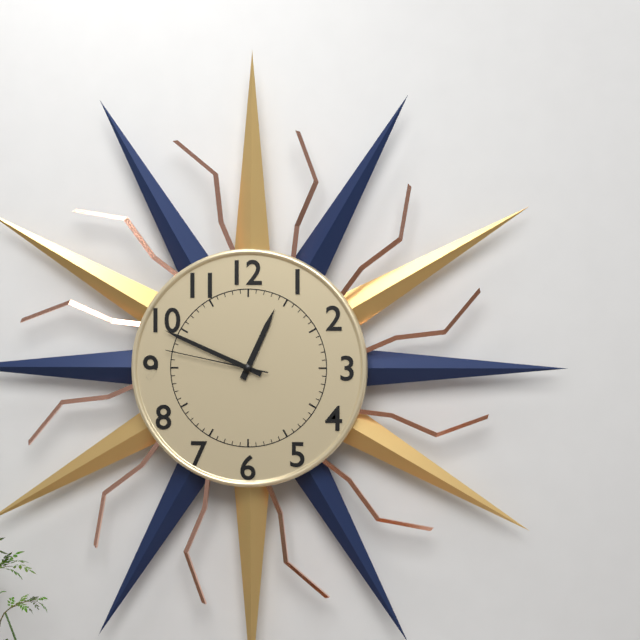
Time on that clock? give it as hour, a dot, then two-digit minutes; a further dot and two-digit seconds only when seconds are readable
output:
12.49.47
